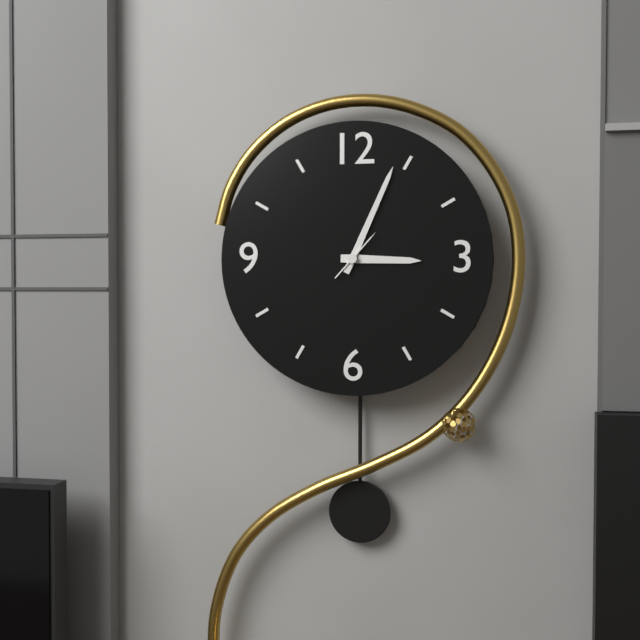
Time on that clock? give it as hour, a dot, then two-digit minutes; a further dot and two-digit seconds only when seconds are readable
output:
3.04
